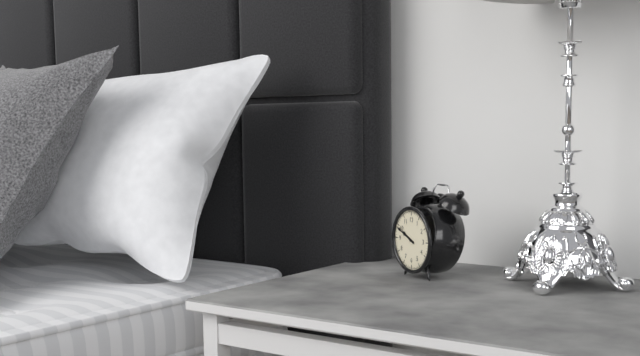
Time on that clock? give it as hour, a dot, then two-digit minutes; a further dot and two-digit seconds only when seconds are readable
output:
9.49
